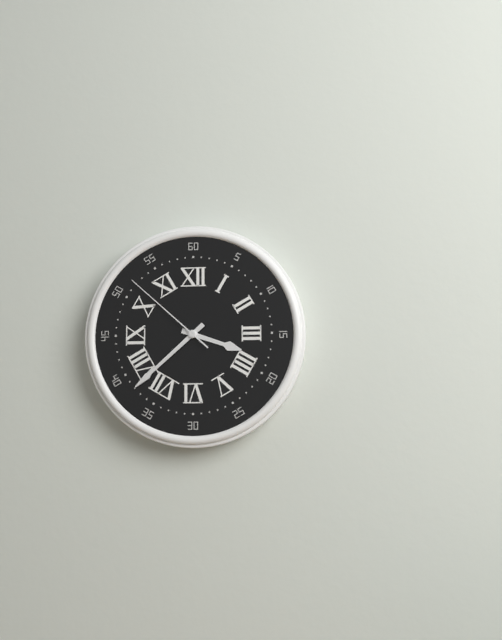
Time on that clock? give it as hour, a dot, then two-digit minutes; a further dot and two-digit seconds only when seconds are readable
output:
3.38.52
